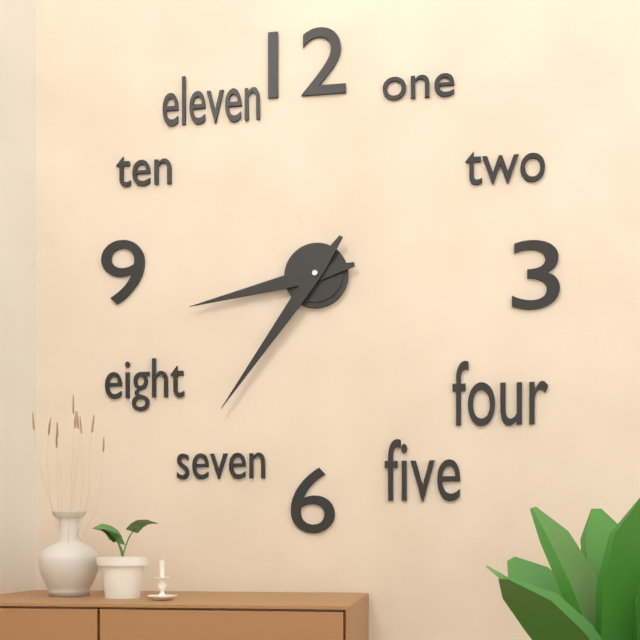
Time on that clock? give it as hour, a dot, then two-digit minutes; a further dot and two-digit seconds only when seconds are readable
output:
8.36
